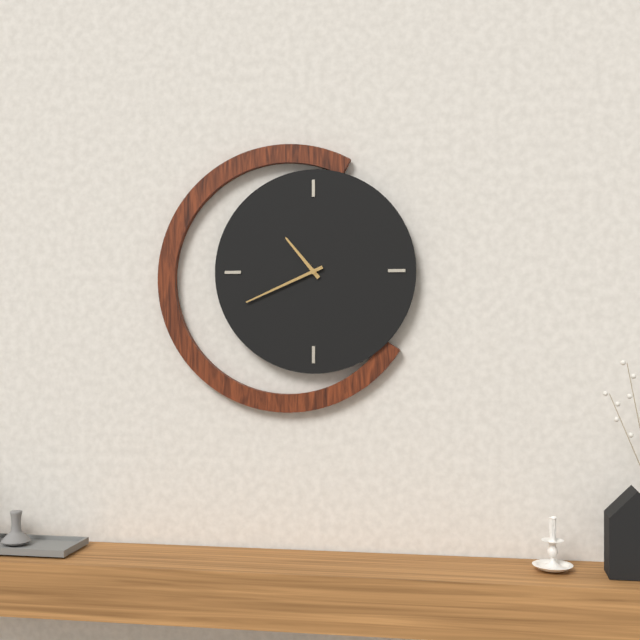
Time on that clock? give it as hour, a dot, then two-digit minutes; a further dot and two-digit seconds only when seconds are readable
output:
10.41
